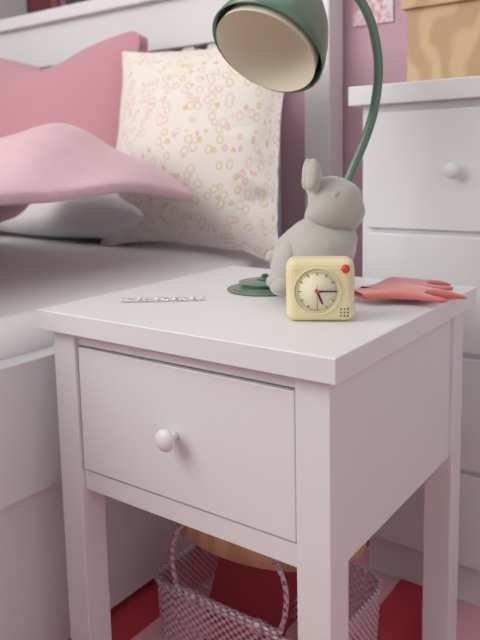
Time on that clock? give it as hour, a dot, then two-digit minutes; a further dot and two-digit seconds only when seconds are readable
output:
5.15
